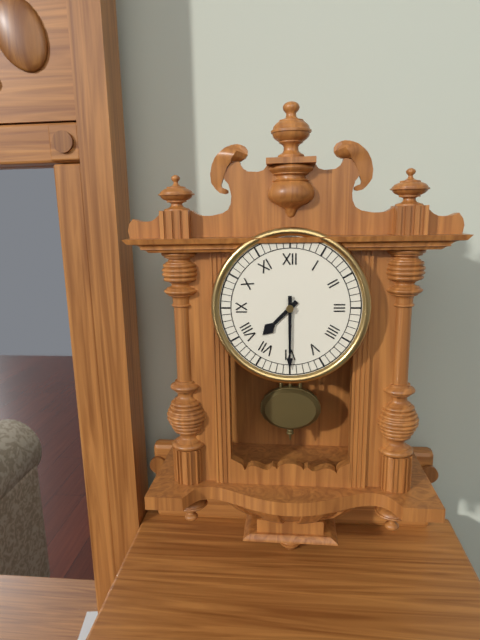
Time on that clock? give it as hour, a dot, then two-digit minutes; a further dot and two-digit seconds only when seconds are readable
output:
7.30
